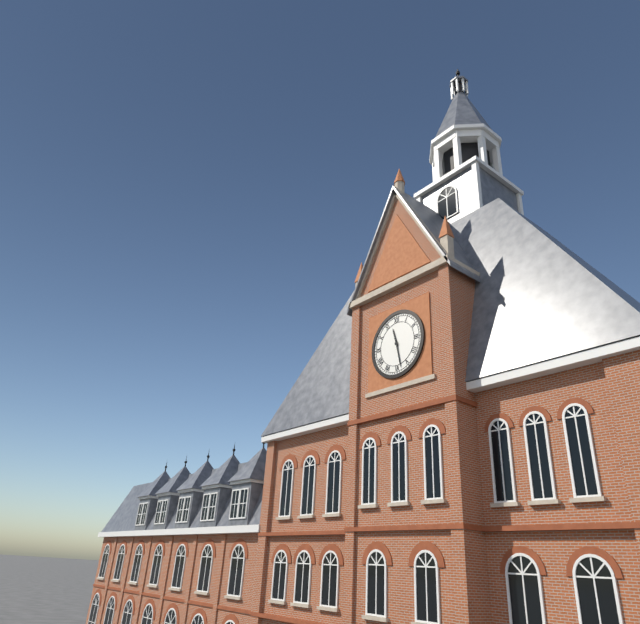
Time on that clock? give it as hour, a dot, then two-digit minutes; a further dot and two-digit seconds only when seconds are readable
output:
11.28
